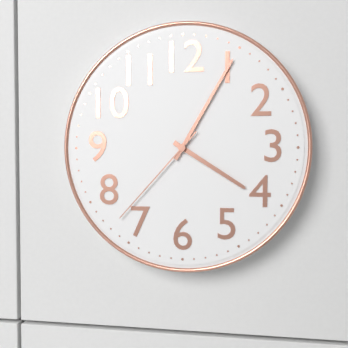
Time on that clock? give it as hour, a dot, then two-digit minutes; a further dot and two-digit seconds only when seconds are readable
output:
4.05.37
